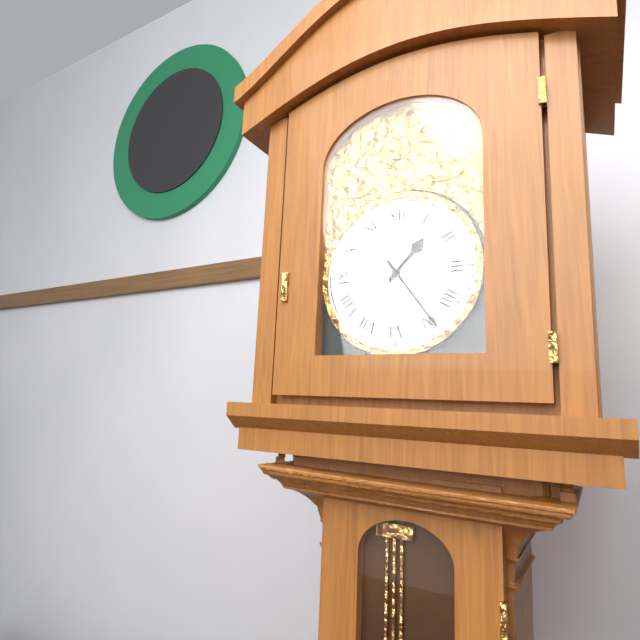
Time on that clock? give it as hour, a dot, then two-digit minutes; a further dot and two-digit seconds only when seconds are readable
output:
1.24
